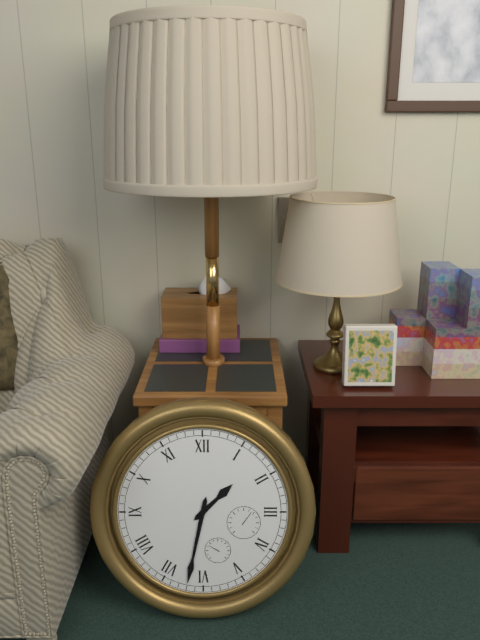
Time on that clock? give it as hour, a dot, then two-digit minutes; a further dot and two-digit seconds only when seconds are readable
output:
1.32
